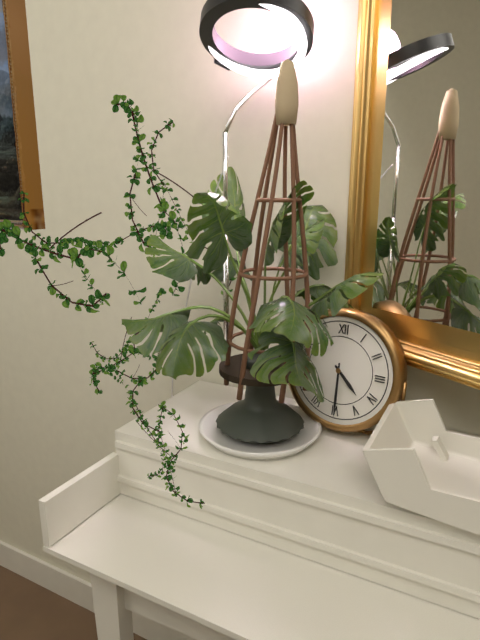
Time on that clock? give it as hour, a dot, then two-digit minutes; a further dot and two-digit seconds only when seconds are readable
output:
4.30
